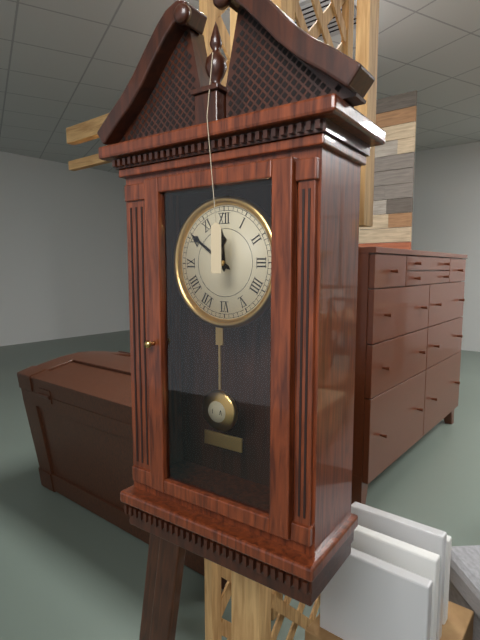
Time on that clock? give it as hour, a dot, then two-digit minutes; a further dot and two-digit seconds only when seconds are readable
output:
11.51
